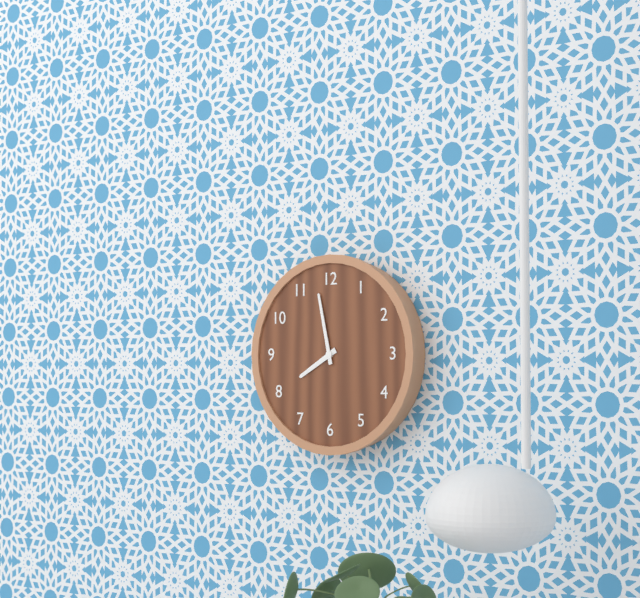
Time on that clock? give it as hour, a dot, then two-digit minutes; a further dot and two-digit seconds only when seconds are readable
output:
7.58
